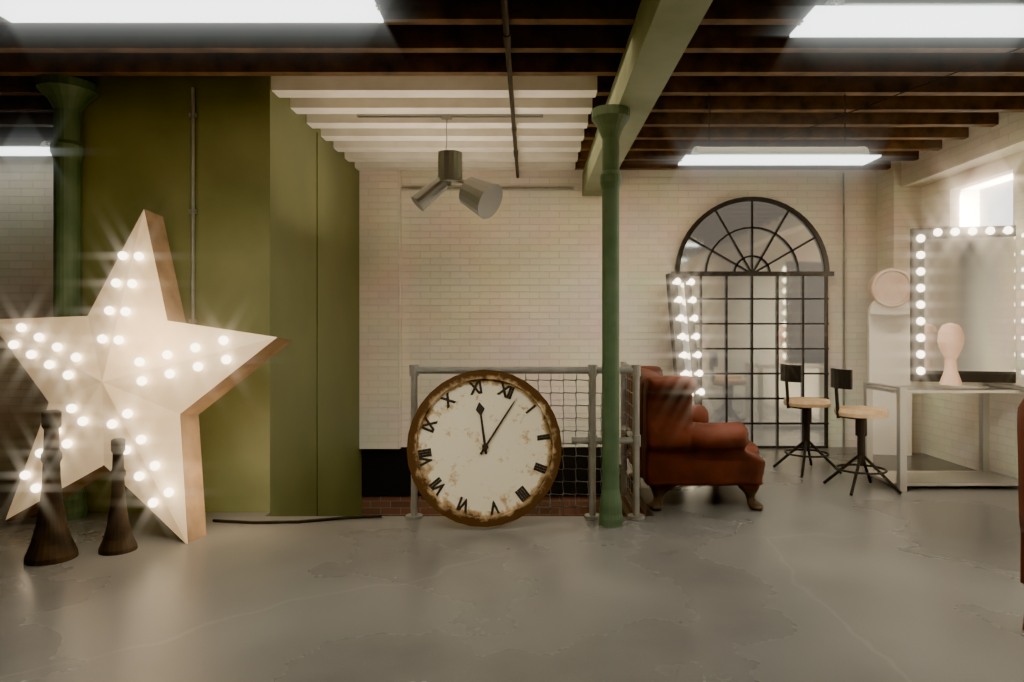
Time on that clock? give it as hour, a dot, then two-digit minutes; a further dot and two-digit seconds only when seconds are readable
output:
11.02
